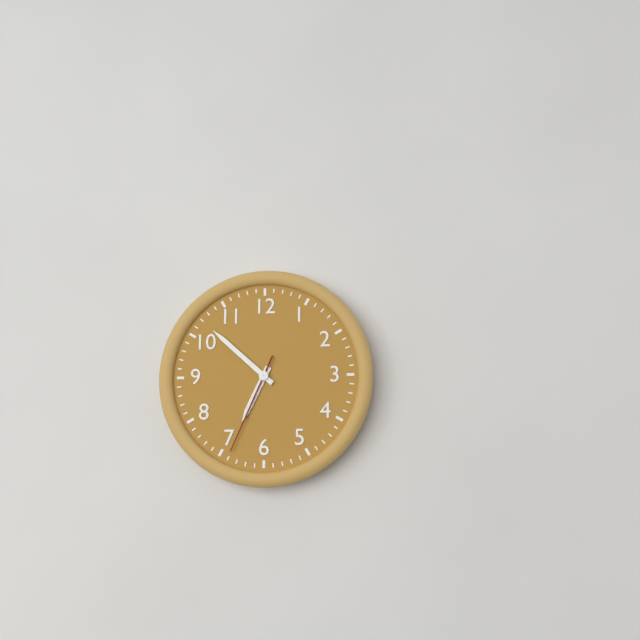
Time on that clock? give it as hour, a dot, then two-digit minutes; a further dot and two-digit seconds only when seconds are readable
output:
6.52.34
